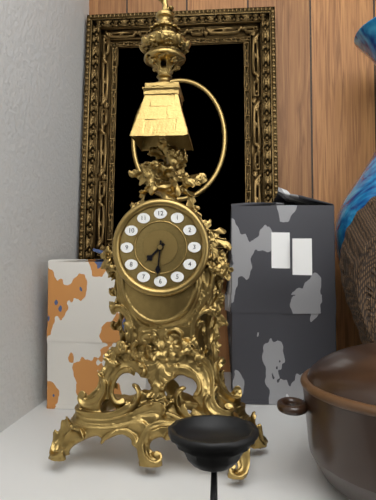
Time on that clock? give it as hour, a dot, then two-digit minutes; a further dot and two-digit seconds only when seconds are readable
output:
7.31
